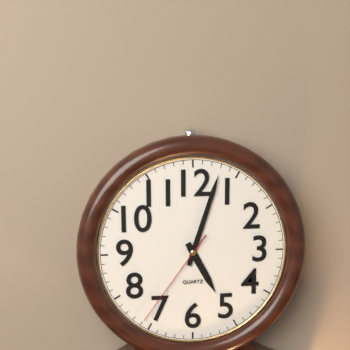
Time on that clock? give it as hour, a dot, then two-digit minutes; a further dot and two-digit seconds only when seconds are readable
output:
5.03.36
